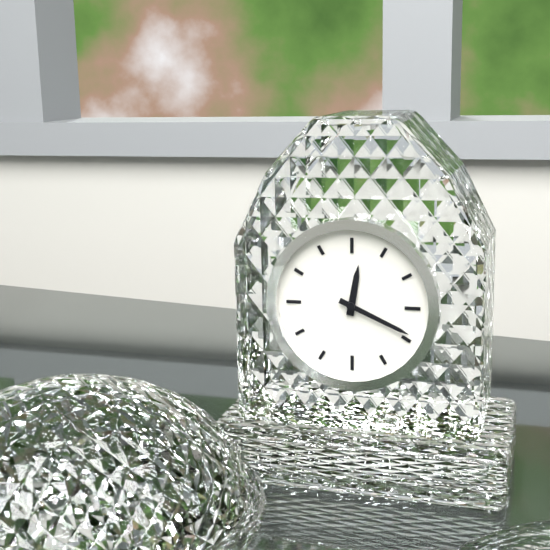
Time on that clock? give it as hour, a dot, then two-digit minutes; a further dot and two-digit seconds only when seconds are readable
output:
12.19
